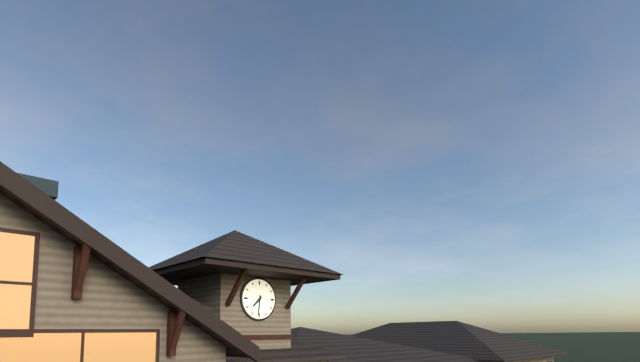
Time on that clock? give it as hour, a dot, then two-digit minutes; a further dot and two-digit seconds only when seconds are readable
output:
7.31
